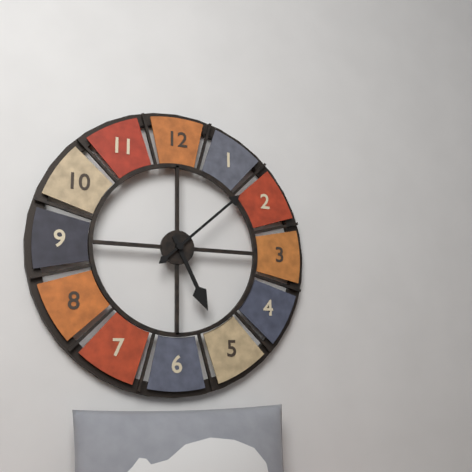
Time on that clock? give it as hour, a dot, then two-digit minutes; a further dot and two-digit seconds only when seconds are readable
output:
5.08
